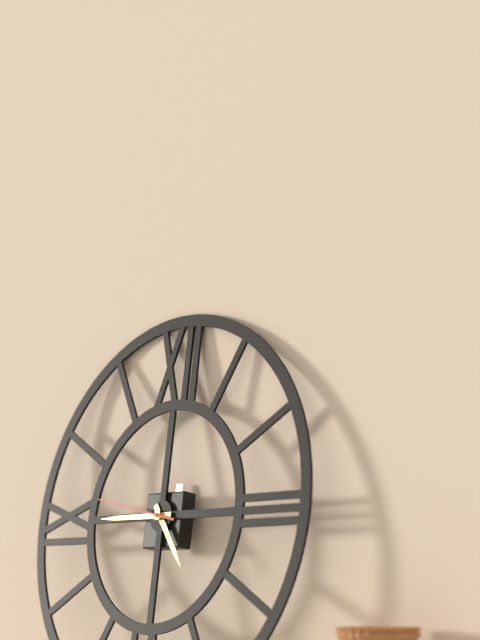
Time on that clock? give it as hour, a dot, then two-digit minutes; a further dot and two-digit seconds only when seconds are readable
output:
4.45.47
